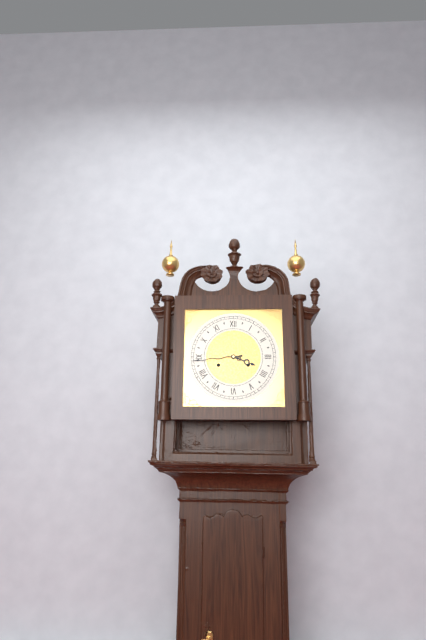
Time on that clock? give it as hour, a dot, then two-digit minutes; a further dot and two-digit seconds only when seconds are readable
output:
3.44
